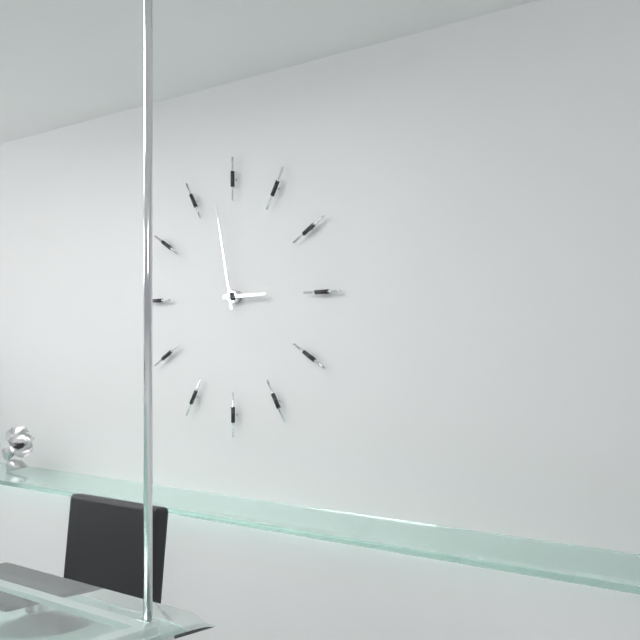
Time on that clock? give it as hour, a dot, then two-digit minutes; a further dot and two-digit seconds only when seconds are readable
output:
2.58
